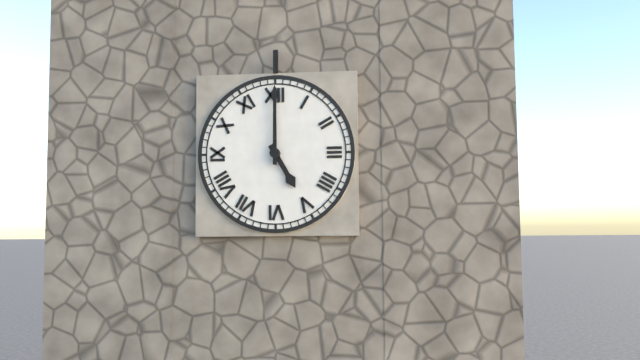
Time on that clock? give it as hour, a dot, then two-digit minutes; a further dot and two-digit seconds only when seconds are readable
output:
5.00
